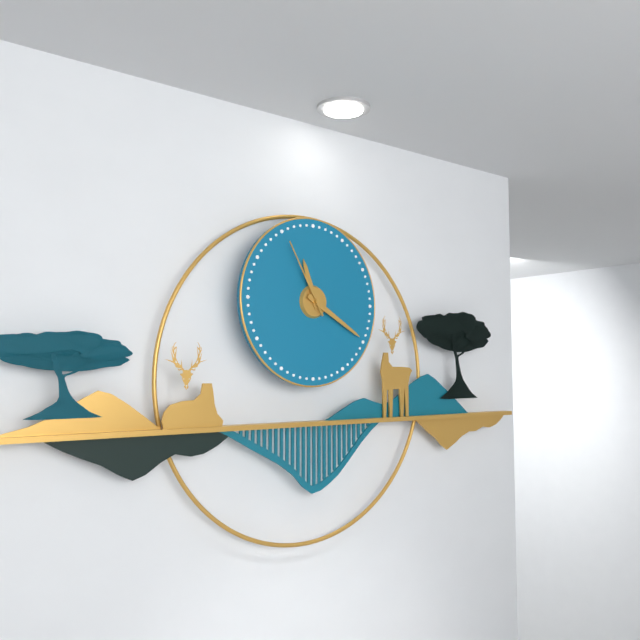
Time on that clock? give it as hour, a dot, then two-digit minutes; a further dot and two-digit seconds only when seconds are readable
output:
11.20.55
